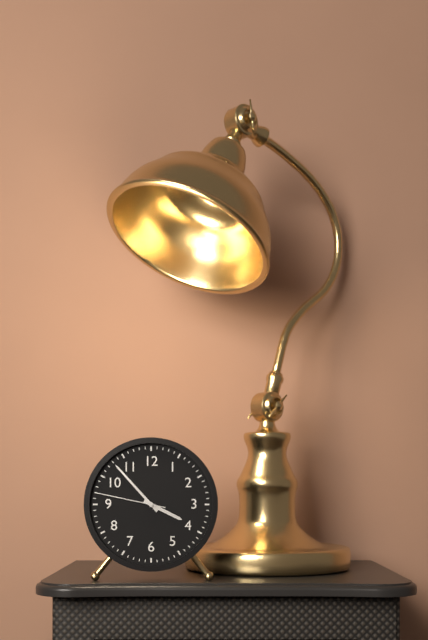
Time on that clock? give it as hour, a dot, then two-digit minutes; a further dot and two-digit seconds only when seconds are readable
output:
3.53.47
